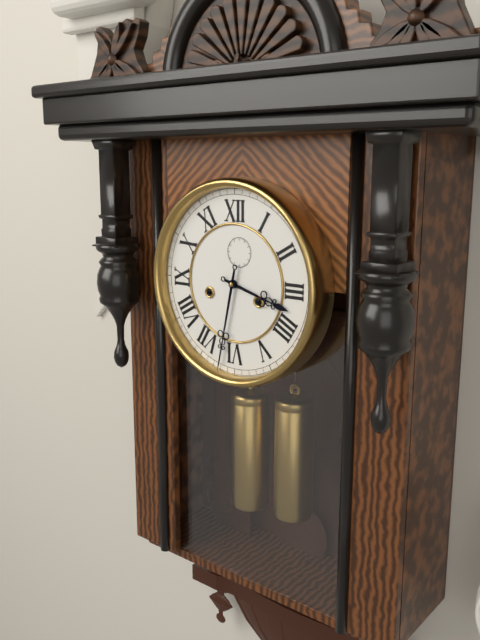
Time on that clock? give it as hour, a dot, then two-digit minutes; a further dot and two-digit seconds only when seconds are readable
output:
3.32
